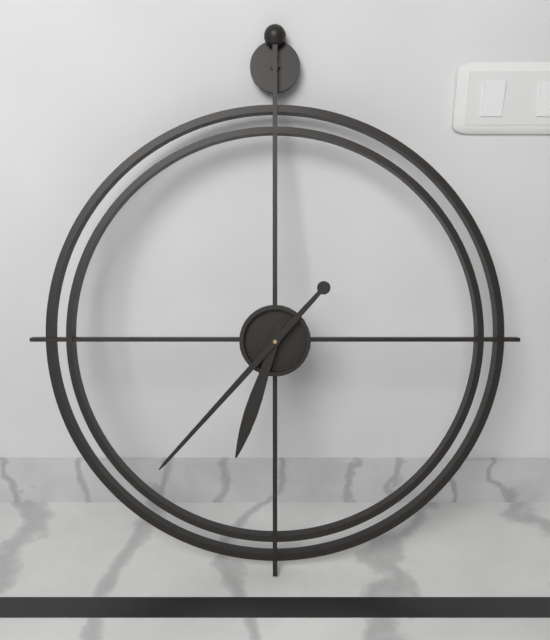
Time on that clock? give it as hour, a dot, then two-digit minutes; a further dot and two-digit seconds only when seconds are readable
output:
6.37
